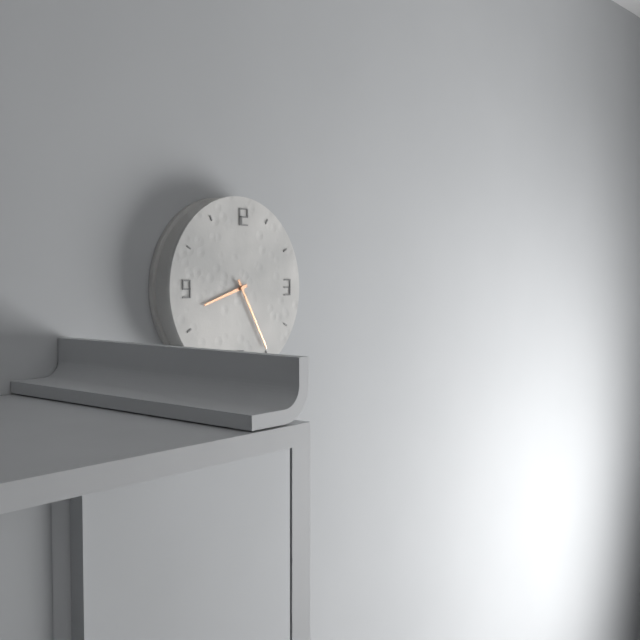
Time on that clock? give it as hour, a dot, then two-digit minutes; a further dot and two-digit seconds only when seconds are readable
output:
8.25
